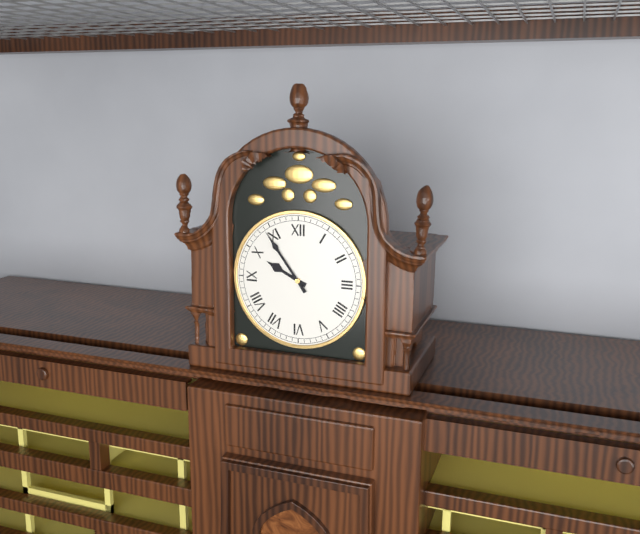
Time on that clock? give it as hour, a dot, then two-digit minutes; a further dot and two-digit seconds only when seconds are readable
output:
9.54
